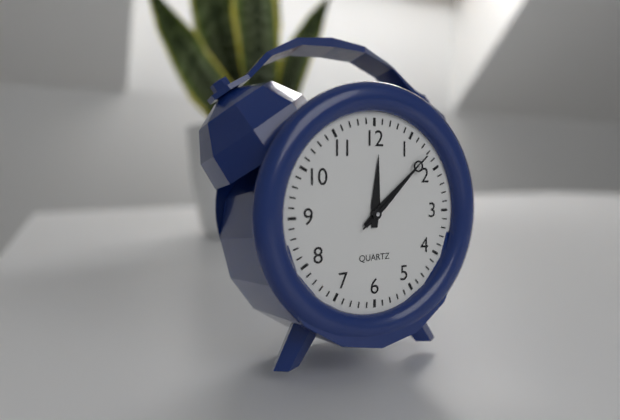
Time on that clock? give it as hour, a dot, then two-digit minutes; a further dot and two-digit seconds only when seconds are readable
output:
12.08.08
